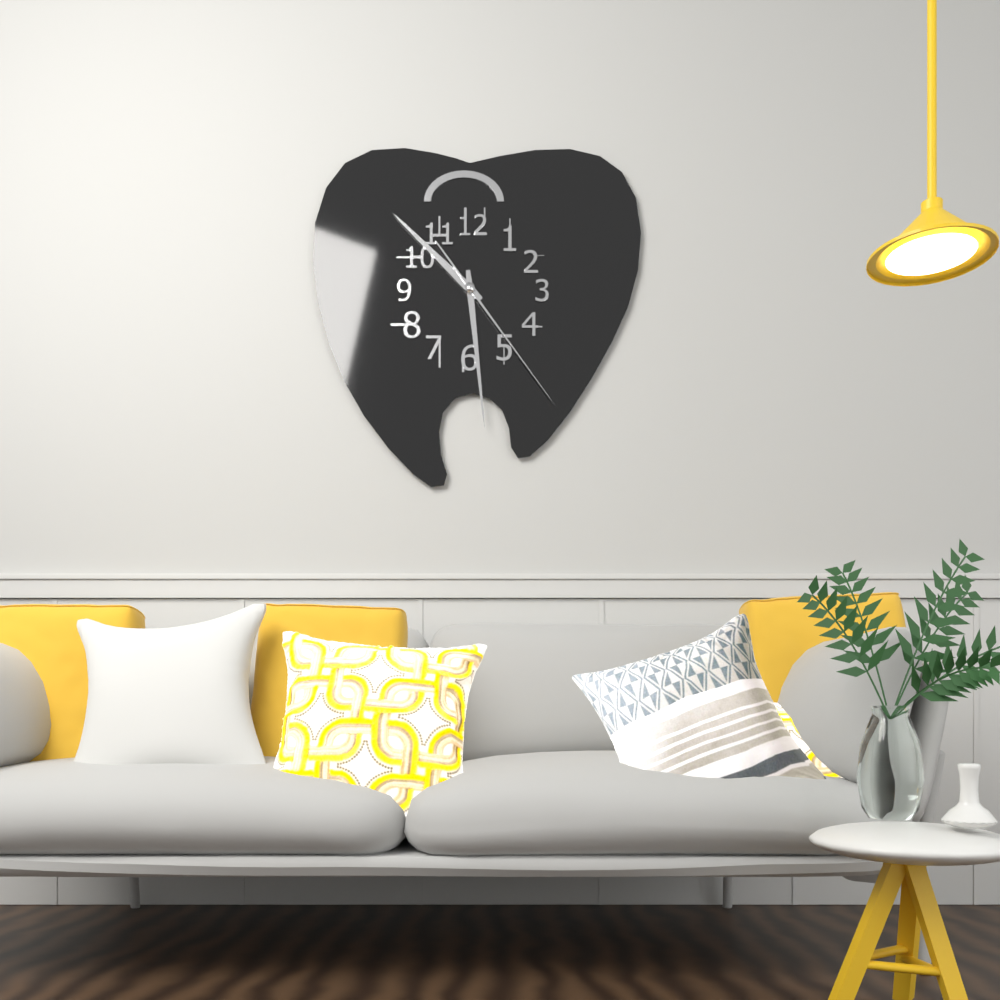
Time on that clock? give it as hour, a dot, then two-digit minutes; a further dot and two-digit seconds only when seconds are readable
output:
10.29.24
